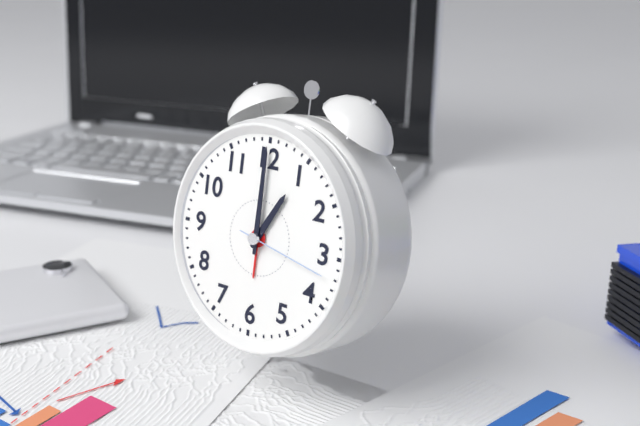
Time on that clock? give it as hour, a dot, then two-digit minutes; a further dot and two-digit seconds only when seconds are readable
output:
1.00.17
